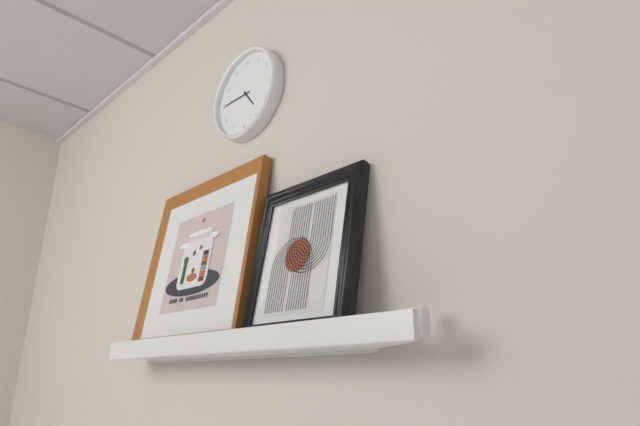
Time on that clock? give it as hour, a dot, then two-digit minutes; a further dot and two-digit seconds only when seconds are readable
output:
4.45
